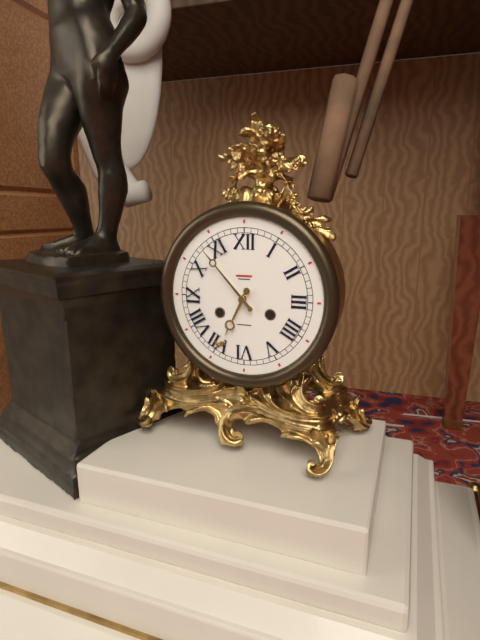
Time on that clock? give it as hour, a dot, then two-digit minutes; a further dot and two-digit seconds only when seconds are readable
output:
6.53
